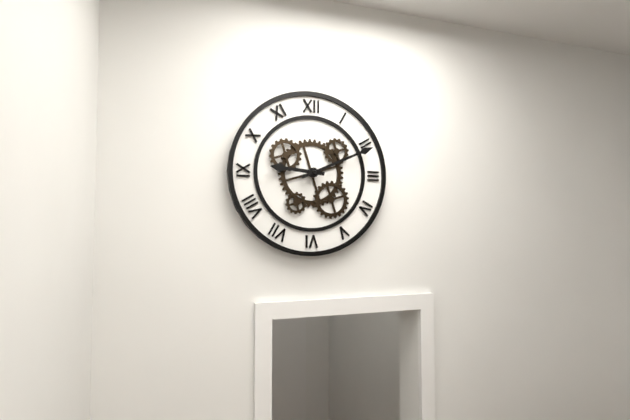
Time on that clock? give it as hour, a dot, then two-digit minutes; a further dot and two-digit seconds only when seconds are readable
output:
9.11
